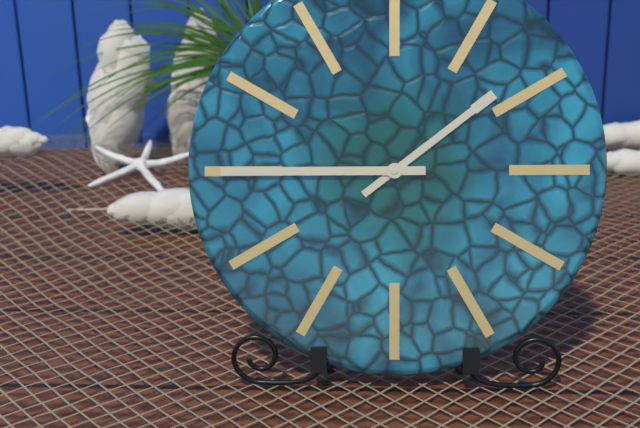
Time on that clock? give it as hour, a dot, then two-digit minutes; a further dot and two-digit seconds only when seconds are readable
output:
1.45
